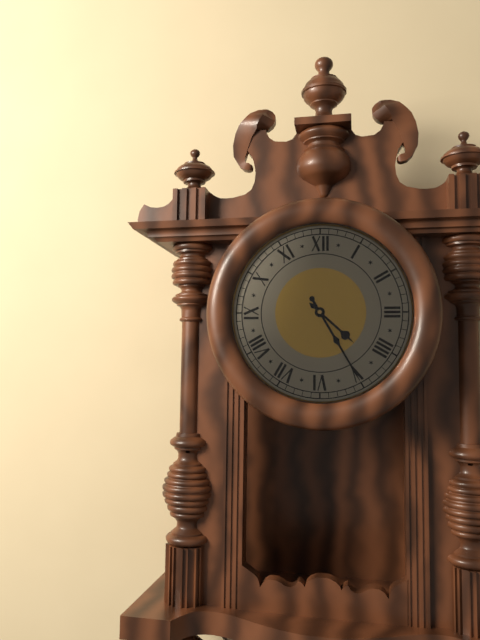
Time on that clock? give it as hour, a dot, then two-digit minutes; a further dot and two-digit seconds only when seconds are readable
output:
4.25
